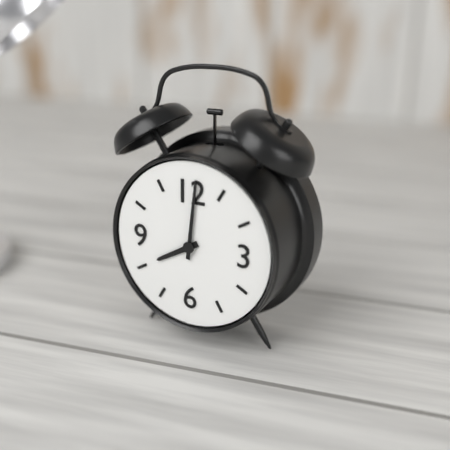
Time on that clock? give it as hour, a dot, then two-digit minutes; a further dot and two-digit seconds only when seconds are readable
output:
8.01
